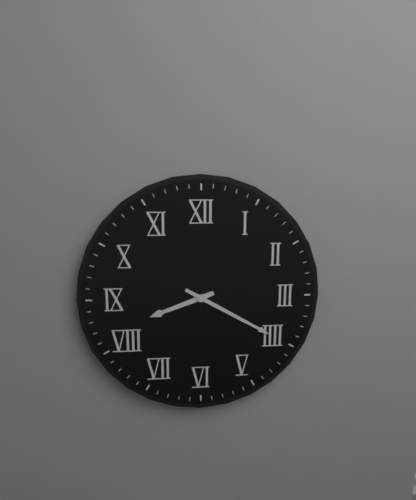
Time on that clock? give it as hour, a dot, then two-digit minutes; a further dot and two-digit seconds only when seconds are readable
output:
8.20
